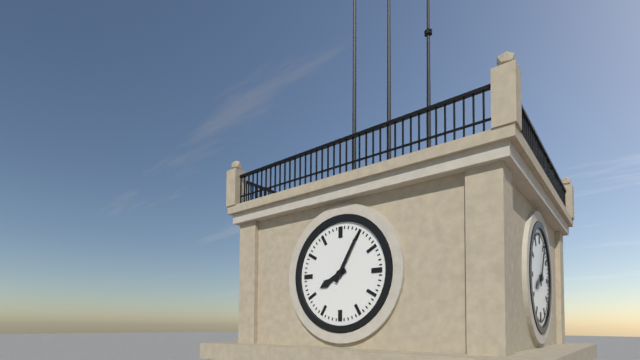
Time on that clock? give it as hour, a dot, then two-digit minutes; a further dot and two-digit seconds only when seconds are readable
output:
8.05
